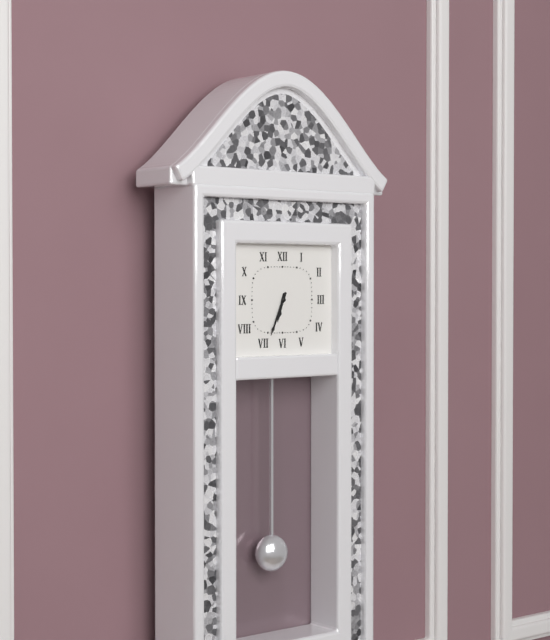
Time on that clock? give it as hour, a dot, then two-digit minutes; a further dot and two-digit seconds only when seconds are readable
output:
6.34
